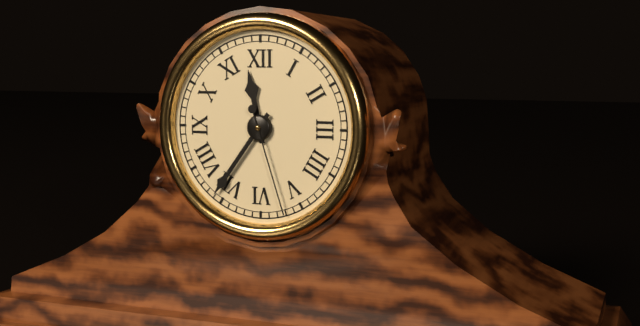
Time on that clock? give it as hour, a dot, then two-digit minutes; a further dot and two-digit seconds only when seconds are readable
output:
11.36.27
